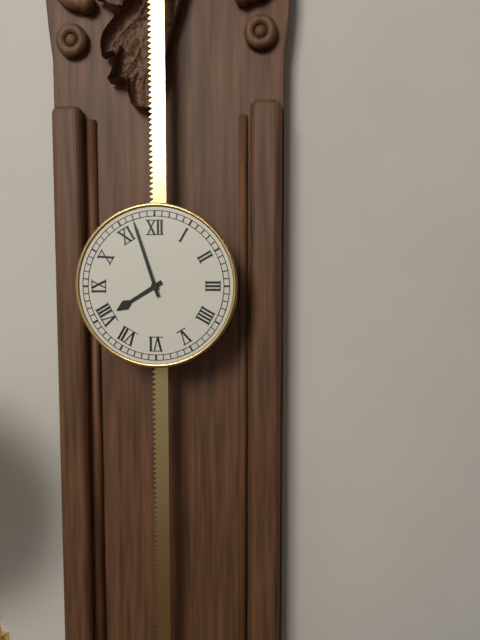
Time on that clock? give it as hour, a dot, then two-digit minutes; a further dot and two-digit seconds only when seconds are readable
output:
7.57
